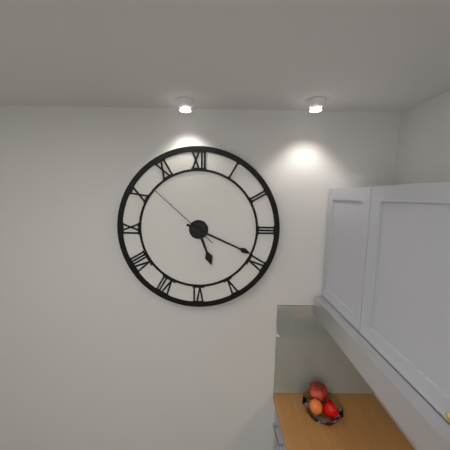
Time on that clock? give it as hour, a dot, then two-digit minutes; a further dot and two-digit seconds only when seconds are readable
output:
5.19.52
